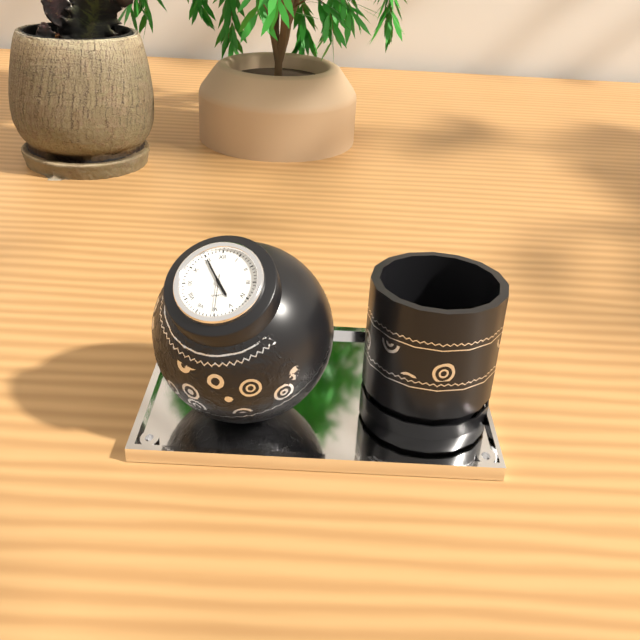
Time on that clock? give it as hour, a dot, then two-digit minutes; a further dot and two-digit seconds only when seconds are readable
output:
4.55
